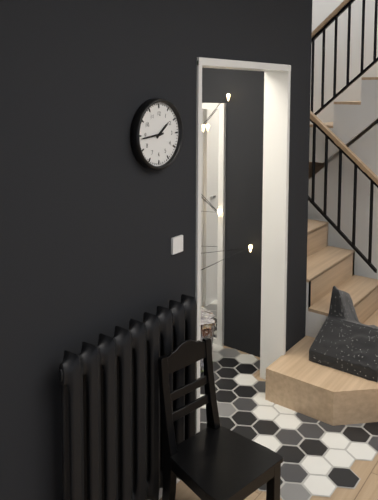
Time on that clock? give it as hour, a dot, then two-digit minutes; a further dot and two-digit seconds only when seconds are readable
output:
1.44
